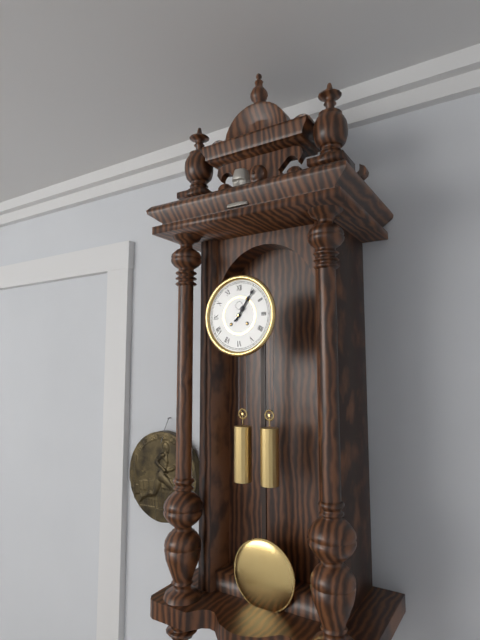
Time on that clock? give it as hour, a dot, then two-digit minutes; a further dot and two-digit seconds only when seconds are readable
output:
1.06
